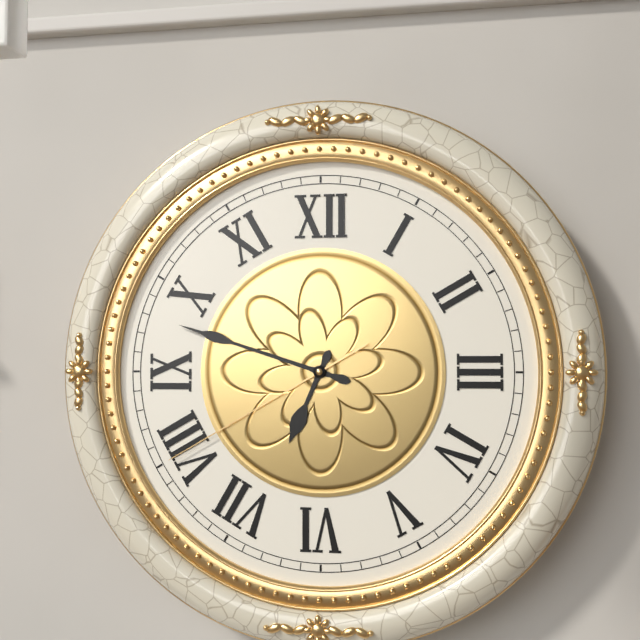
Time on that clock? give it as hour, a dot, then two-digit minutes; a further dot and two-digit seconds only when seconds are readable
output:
6.48.40
